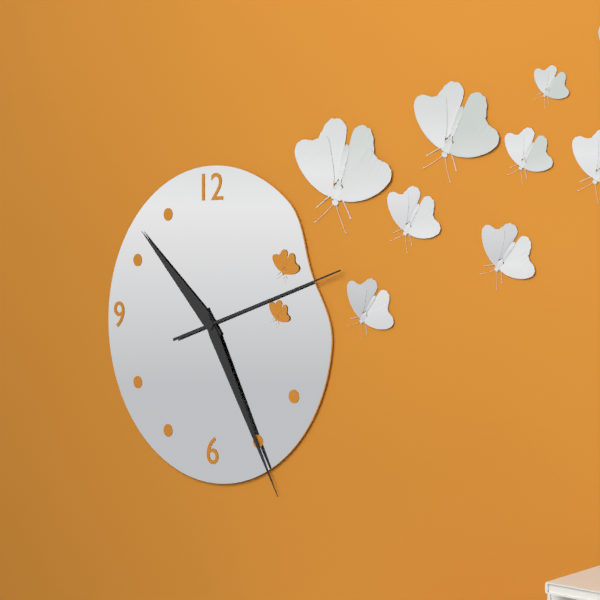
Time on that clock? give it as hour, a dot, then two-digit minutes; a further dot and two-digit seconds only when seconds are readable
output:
10.25.12
